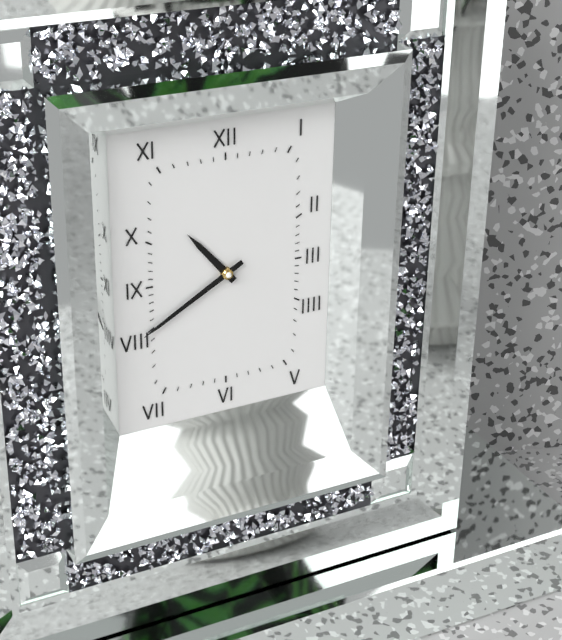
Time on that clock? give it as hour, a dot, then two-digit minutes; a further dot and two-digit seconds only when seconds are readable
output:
10.40
